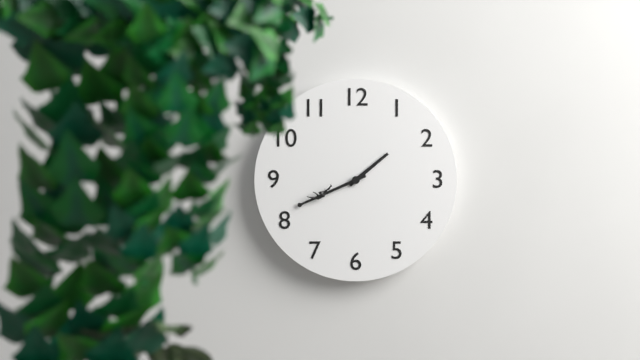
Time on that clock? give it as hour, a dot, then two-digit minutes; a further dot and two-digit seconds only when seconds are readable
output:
1.41
